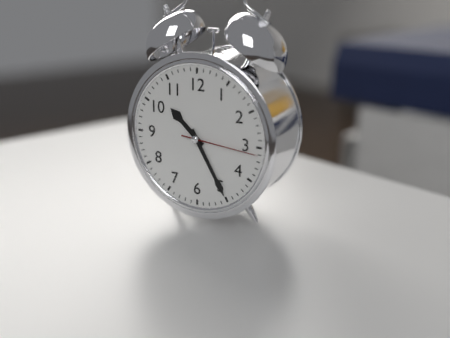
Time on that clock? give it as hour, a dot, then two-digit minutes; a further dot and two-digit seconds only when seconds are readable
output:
10.25.16
